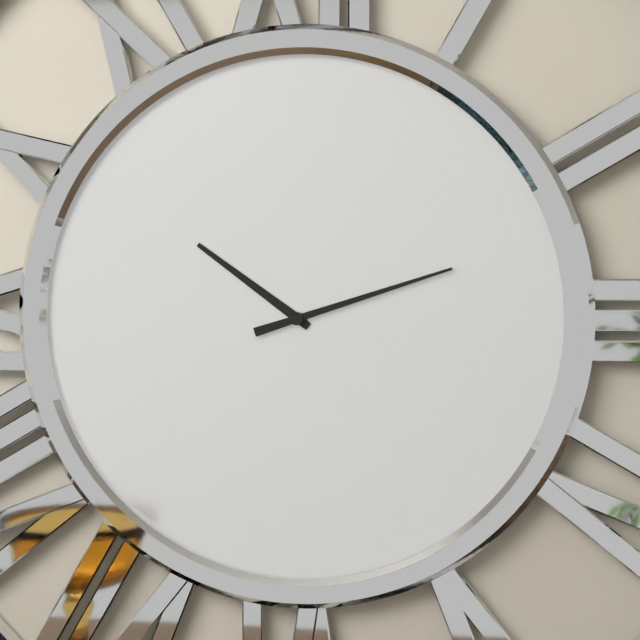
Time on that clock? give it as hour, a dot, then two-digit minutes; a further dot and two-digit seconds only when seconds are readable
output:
10.12
